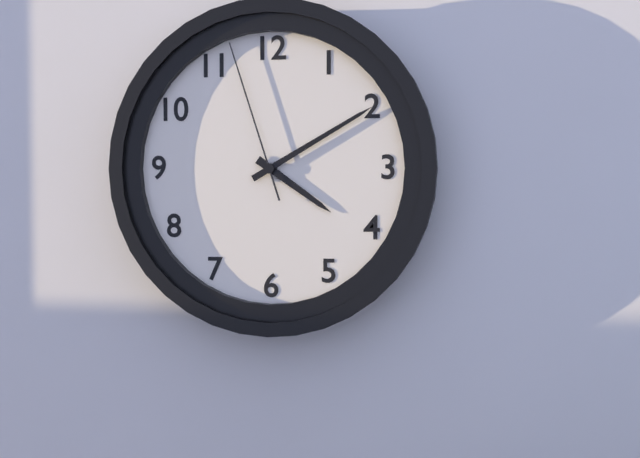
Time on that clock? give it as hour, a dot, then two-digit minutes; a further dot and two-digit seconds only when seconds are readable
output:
4.10.57
